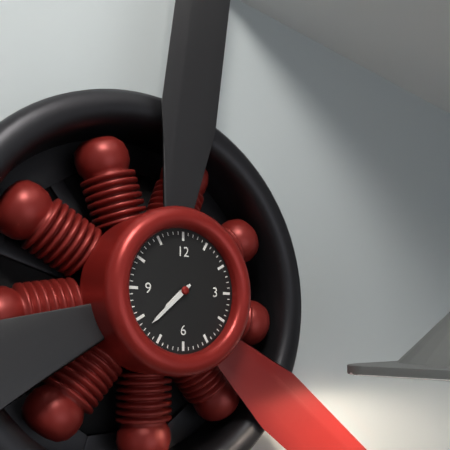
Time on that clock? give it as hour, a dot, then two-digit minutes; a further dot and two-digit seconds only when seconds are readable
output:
7.38
